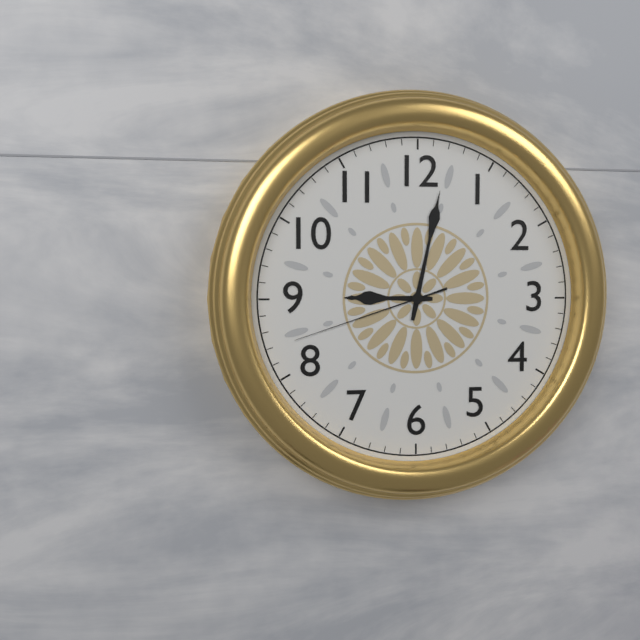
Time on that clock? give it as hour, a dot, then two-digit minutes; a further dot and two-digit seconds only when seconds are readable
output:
9.02.42
